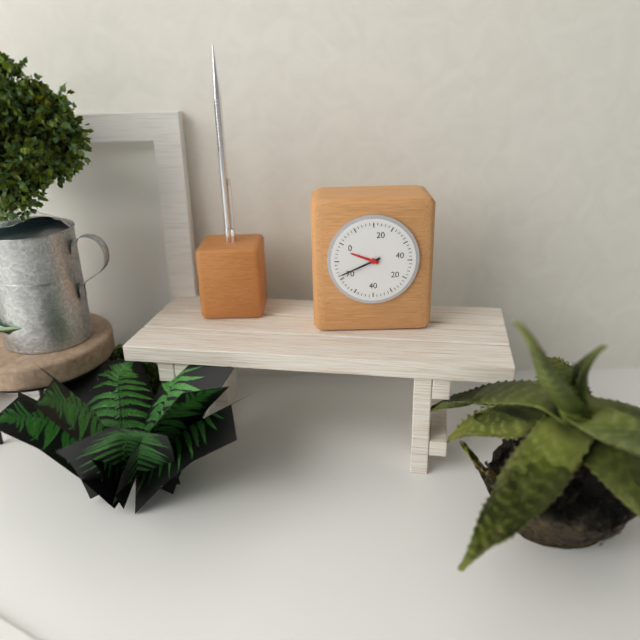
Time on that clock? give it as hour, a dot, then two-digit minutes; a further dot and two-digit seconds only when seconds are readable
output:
9.41
